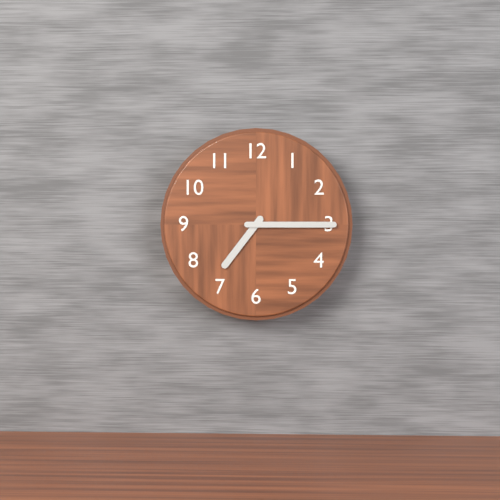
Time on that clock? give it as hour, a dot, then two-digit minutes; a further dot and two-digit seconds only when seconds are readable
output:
7.15
